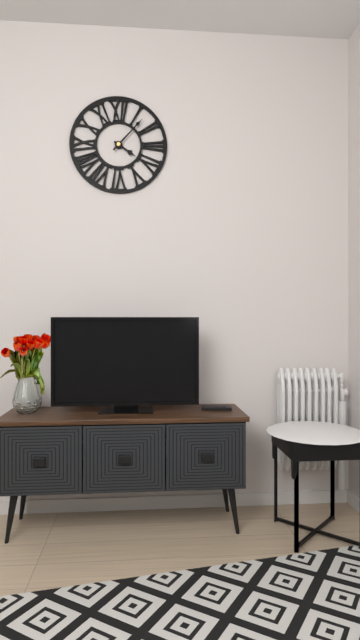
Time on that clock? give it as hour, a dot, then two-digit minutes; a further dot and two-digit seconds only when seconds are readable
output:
4.07
